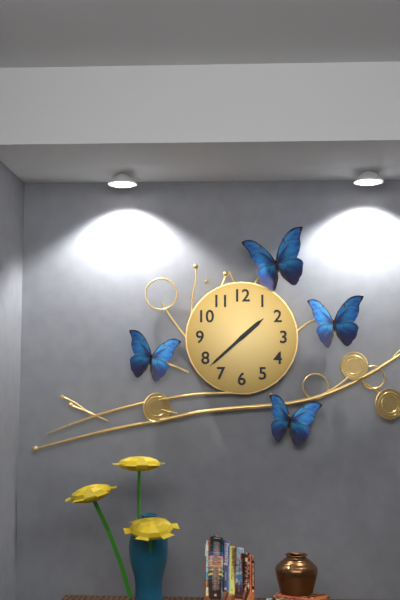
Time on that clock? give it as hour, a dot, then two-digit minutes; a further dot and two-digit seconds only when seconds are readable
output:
1.38
